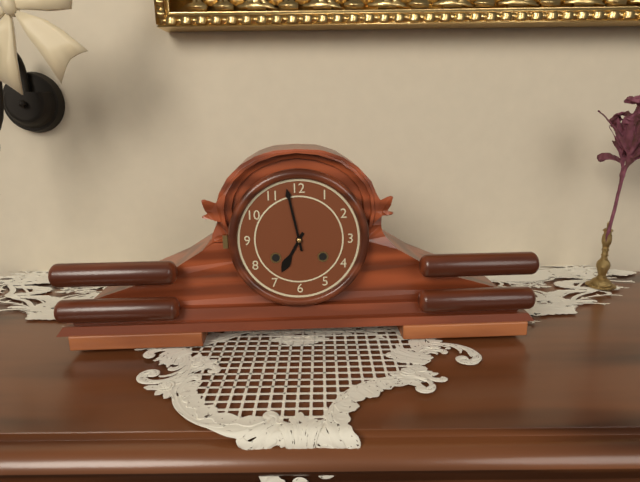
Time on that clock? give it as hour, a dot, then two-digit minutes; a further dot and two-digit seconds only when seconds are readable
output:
6.58
